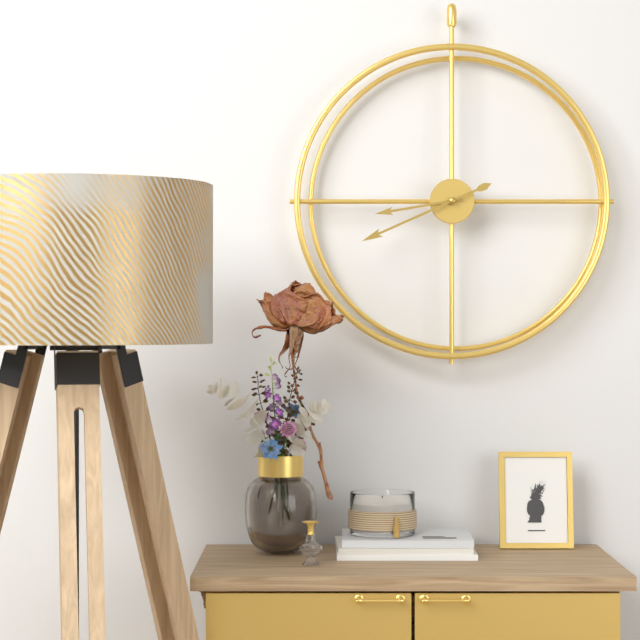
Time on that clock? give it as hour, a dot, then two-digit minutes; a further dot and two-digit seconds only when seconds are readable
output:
8.41
